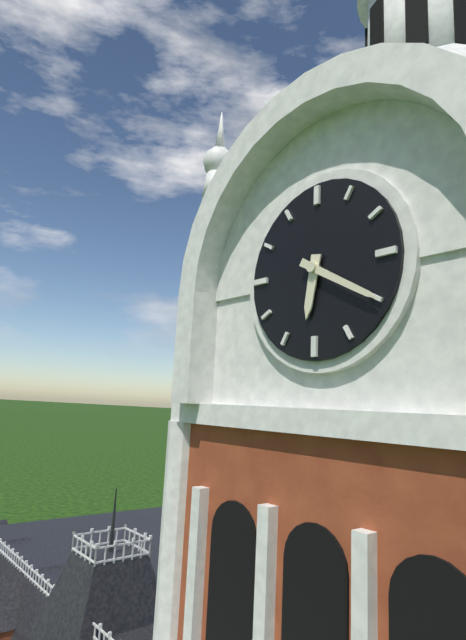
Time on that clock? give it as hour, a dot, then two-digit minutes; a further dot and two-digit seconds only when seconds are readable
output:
6.20
